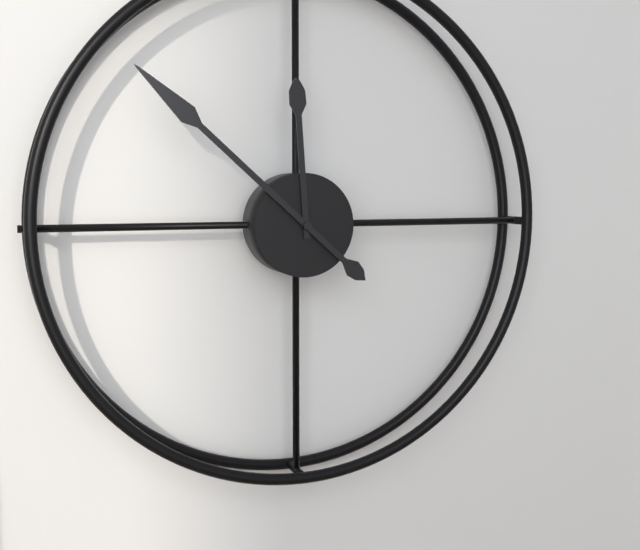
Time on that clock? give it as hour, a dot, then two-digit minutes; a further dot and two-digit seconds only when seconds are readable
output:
11.52
